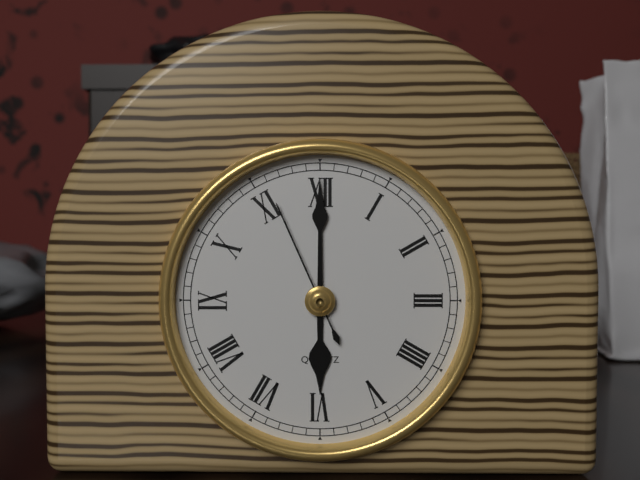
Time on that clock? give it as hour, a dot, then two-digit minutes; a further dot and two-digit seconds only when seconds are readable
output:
6.00.56
